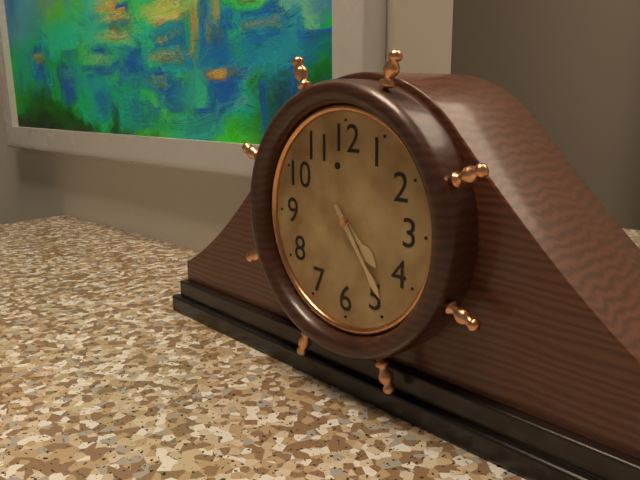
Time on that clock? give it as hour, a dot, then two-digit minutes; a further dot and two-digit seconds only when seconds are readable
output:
4.24
